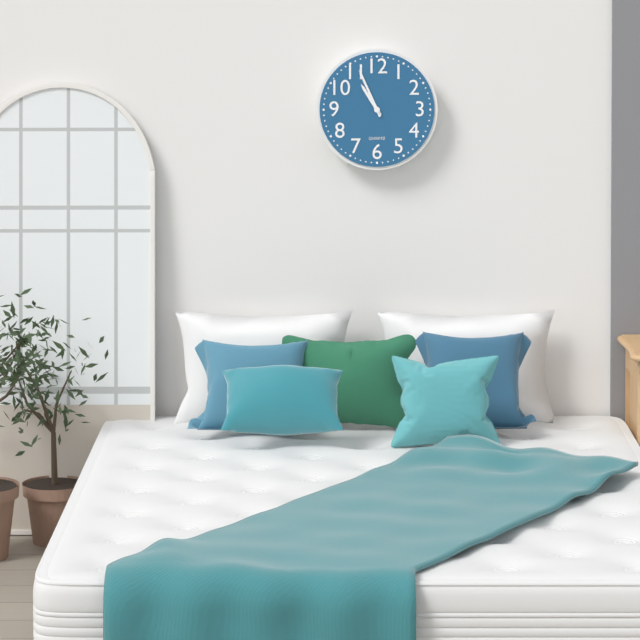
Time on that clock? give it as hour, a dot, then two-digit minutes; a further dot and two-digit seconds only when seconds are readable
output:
10.56
